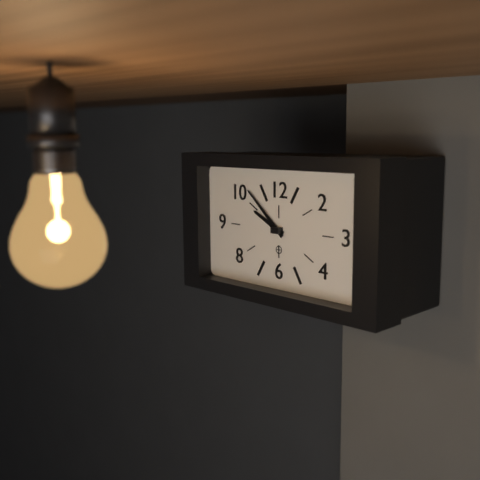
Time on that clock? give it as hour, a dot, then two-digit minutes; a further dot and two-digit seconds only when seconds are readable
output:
9.52
